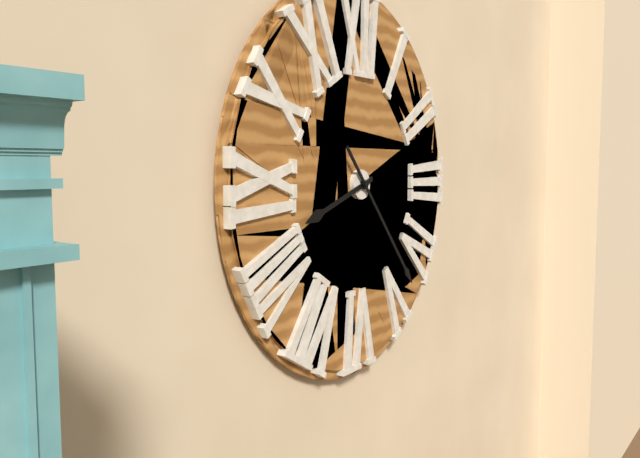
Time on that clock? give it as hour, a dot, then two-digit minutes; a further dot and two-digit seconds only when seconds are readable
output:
8.23
